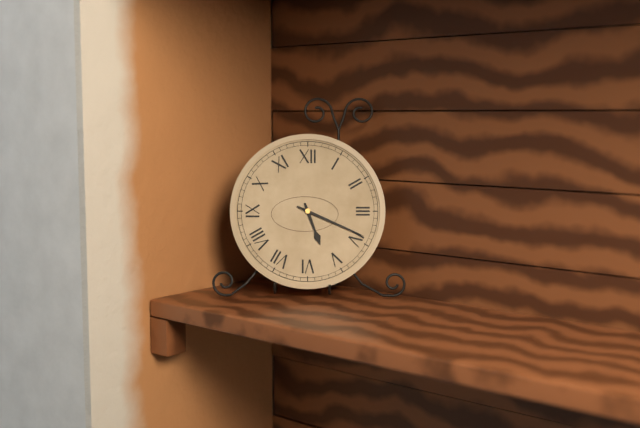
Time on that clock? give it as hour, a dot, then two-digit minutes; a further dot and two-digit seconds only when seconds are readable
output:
5.19
